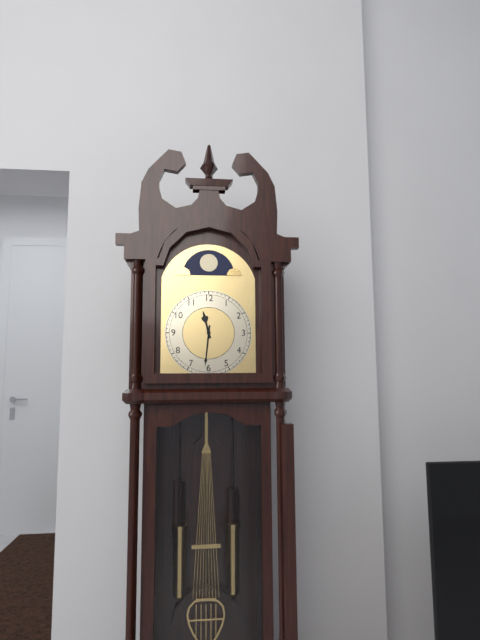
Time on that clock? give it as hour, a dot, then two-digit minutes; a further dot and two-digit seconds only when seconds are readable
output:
11.31
